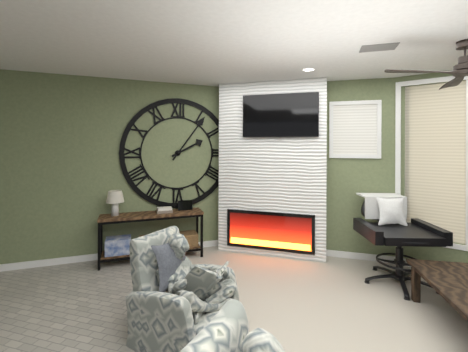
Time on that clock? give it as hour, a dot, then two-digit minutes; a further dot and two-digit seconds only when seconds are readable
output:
2.06
